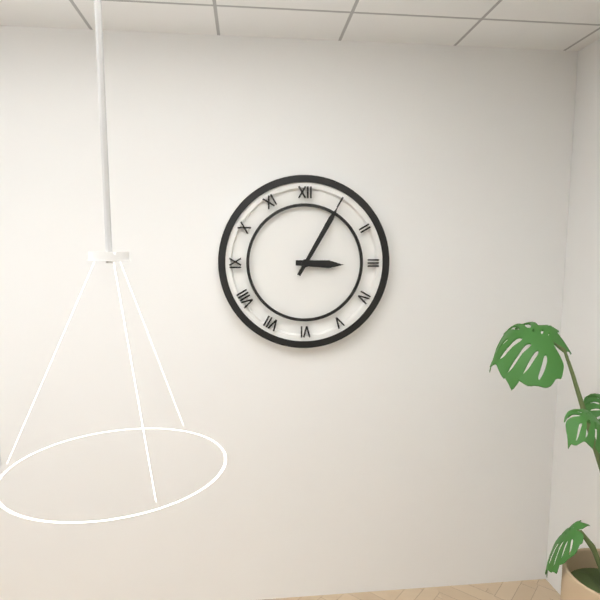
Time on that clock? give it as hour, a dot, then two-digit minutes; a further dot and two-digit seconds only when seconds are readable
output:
3.05
